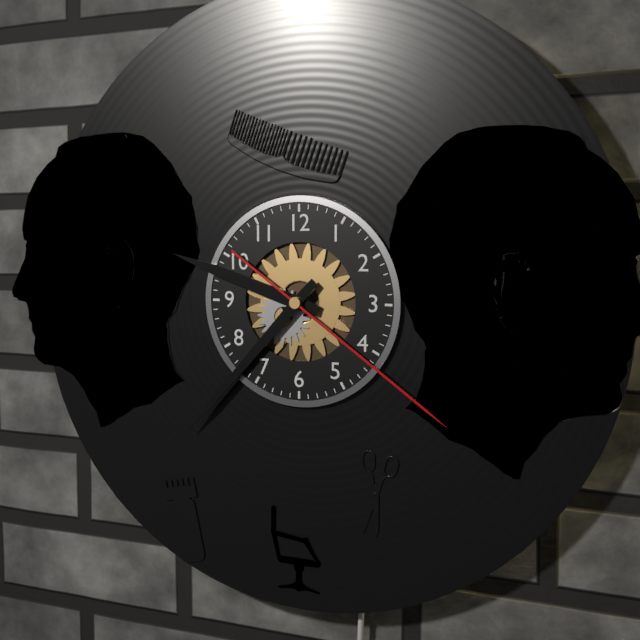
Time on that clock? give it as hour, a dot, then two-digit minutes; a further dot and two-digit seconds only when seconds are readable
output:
9.37.21
